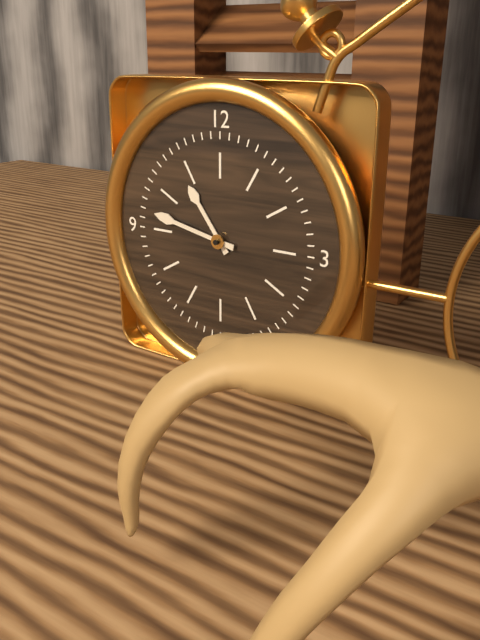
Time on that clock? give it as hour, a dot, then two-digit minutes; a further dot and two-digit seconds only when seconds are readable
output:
10.47
